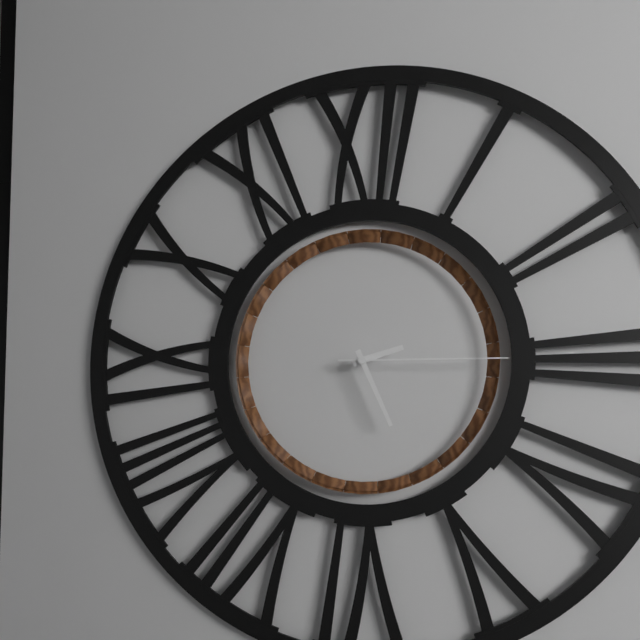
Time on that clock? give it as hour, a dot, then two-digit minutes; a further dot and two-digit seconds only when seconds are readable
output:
2.26.15
